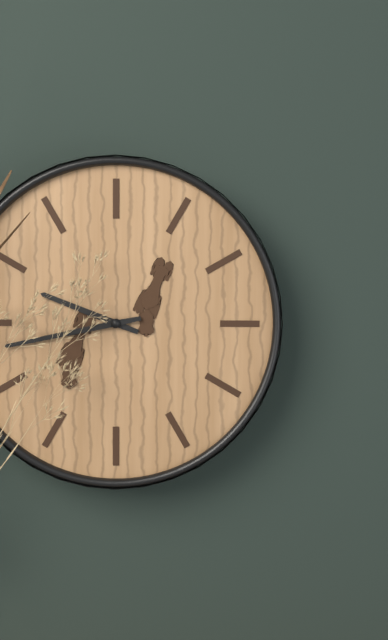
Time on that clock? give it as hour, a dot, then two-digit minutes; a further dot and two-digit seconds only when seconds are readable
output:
9.43
